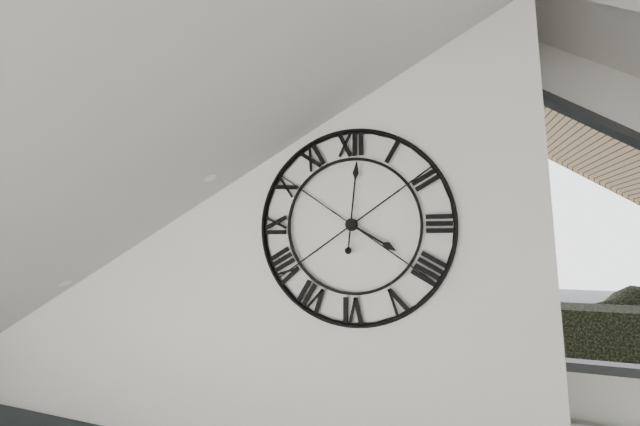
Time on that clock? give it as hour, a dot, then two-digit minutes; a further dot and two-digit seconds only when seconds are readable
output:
4.01
